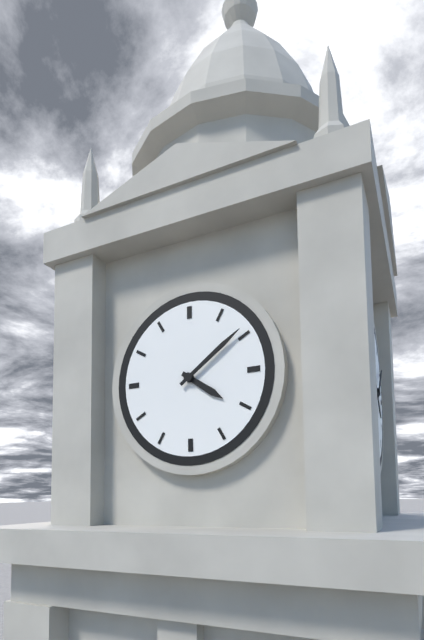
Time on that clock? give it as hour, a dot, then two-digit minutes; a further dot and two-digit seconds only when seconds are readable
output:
4.09
